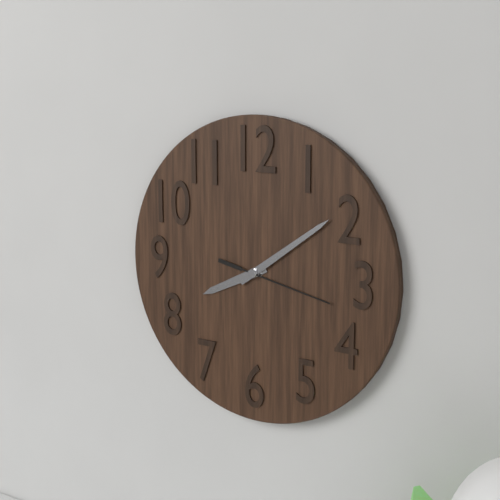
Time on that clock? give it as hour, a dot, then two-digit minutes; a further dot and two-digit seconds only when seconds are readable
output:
8.09.17
